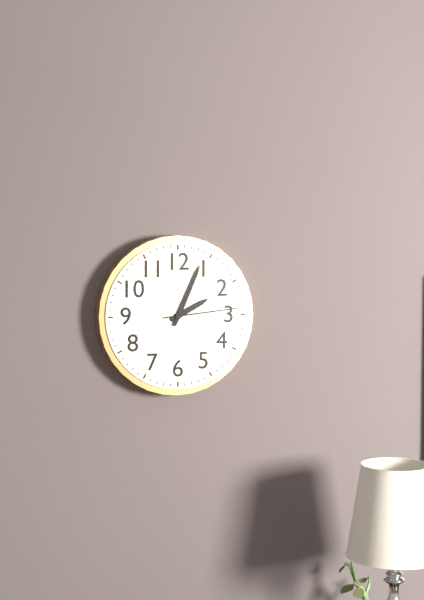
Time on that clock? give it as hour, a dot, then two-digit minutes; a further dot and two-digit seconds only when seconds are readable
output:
2.04.14
